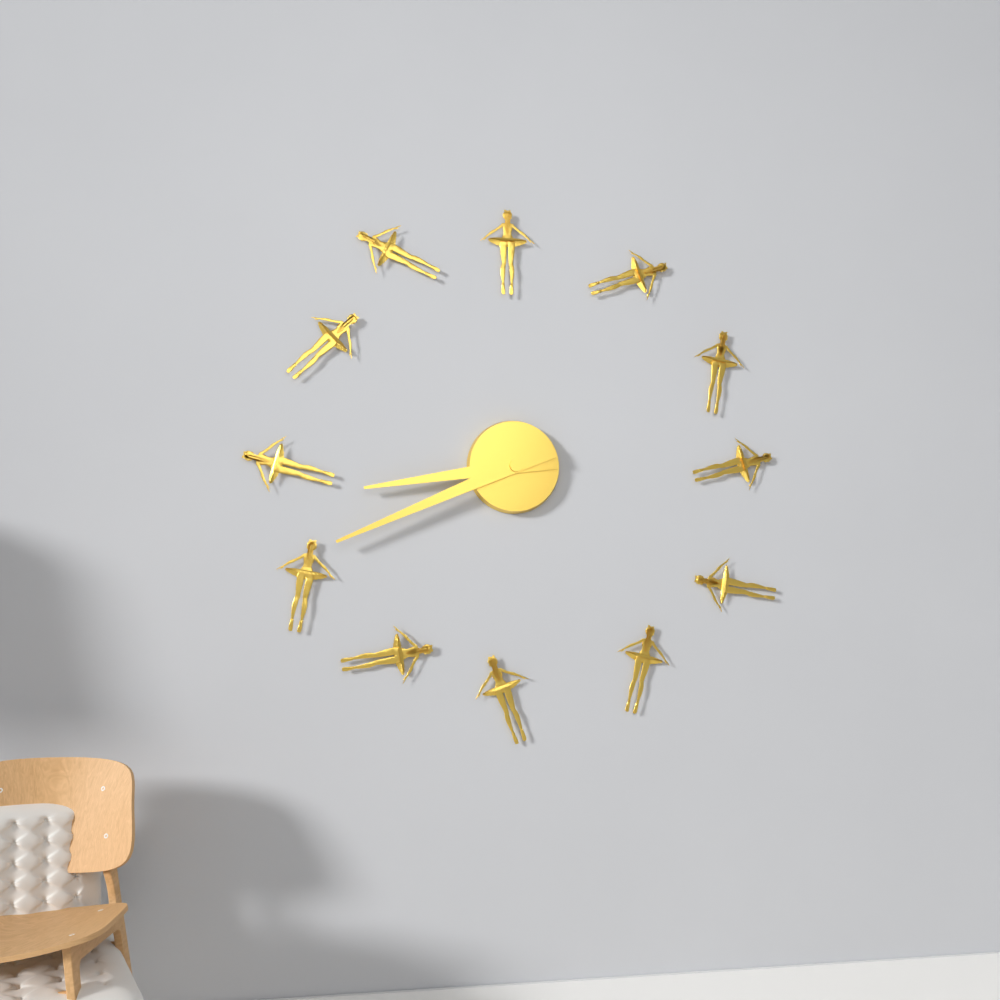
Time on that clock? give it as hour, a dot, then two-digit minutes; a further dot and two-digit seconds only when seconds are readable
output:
8.41
